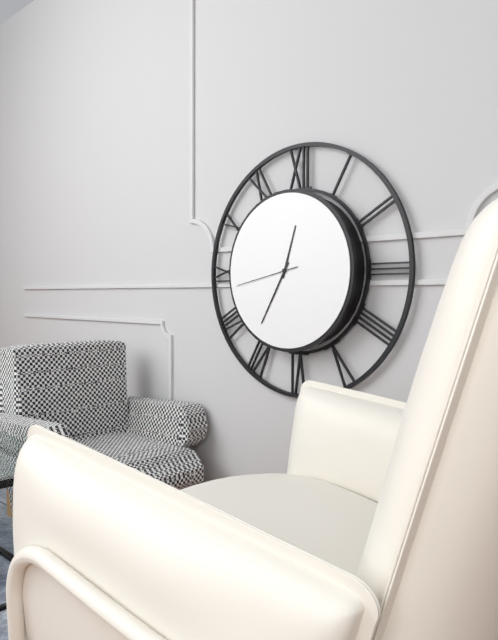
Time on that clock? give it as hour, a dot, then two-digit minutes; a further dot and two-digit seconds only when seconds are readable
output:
12.35.43
